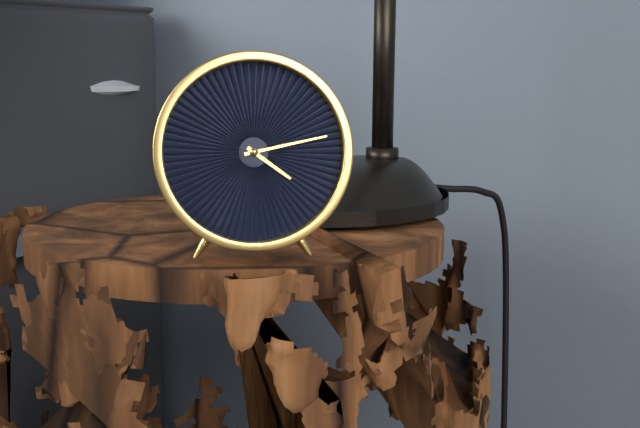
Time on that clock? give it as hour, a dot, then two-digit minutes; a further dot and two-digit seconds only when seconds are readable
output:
4.13
